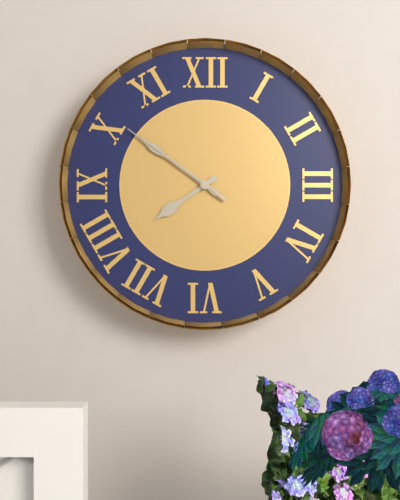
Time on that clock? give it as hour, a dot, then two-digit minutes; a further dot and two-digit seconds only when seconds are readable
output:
7.51.51
